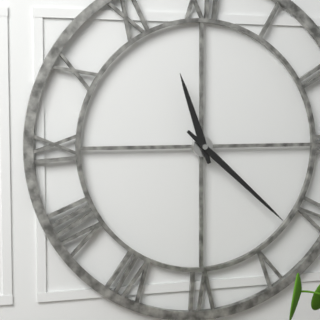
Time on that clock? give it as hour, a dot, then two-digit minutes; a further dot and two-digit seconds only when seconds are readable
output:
11.22
